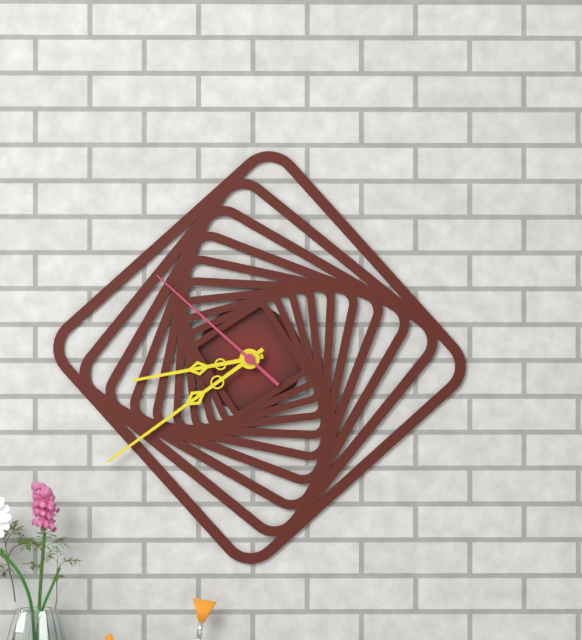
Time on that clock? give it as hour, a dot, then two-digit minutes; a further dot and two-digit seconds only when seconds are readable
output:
8.39.52
